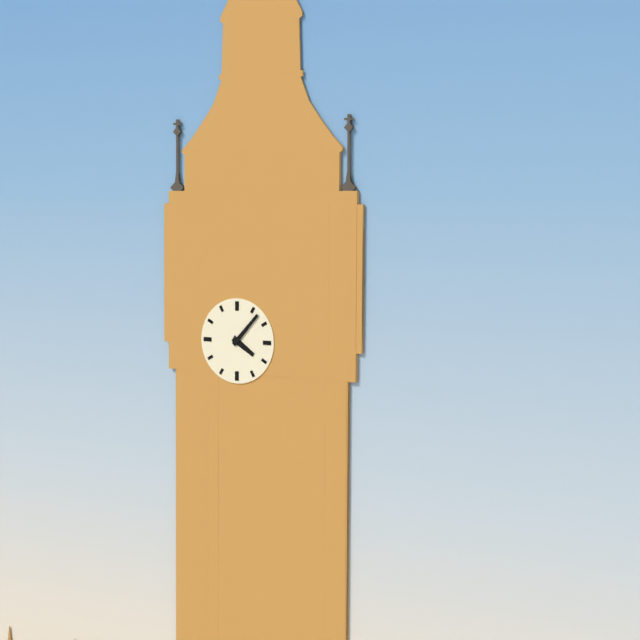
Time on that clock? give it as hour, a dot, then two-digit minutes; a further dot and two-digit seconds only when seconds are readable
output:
4.07
